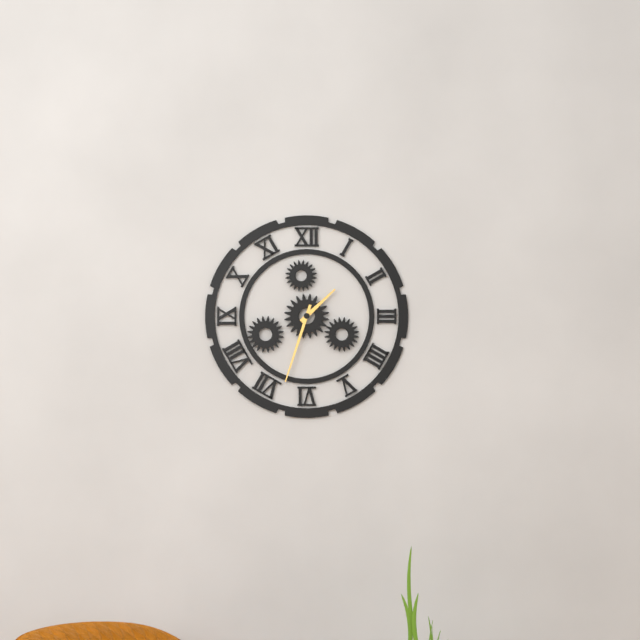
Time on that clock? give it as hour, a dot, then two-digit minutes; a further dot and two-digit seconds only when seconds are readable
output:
1.33
